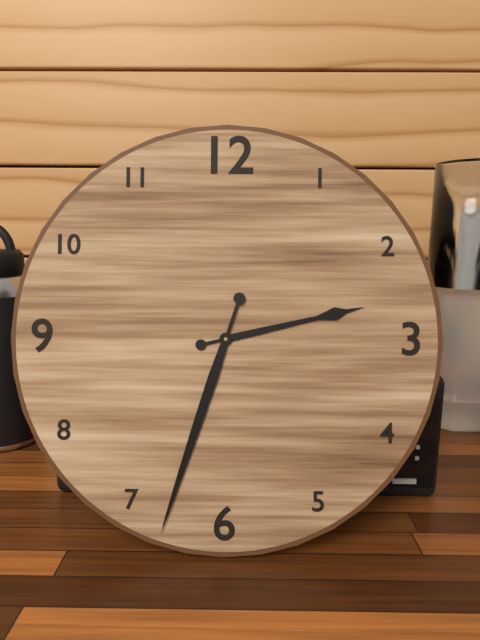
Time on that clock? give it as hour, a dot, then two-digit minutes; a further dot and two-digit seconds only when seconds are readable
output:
2.33
